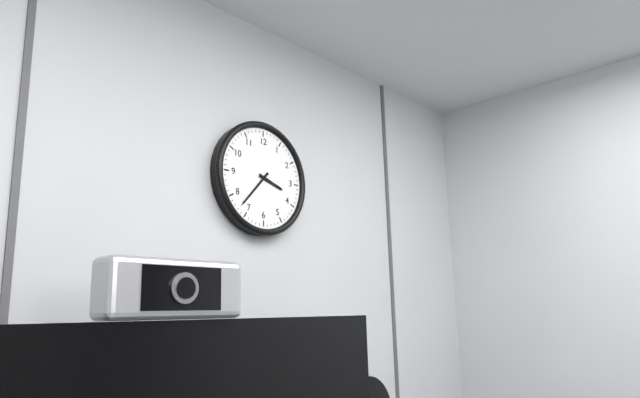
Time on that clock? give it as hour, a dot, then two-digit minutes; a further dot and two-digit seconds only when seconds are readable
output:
3.37
